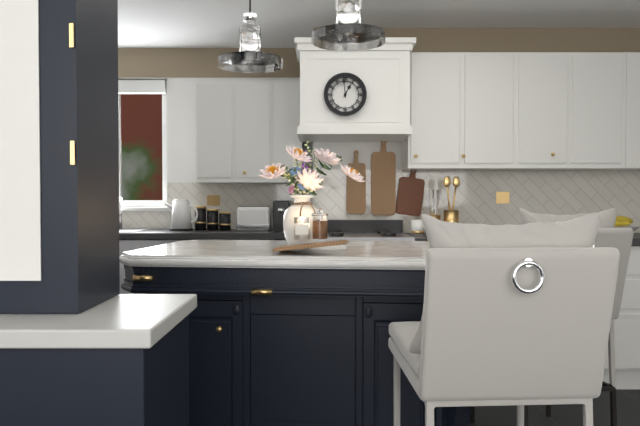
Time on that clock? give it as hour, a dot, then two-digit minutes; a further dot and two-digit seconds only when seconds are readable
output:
12.59
